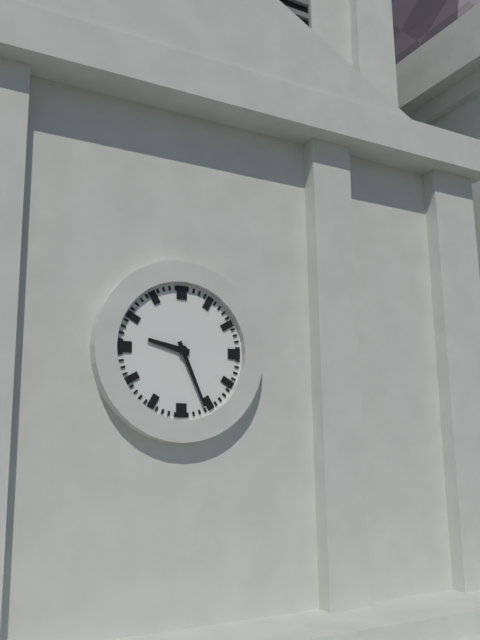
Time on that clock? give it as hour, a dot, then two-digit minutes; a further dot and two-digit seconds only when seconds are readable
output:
9.26
